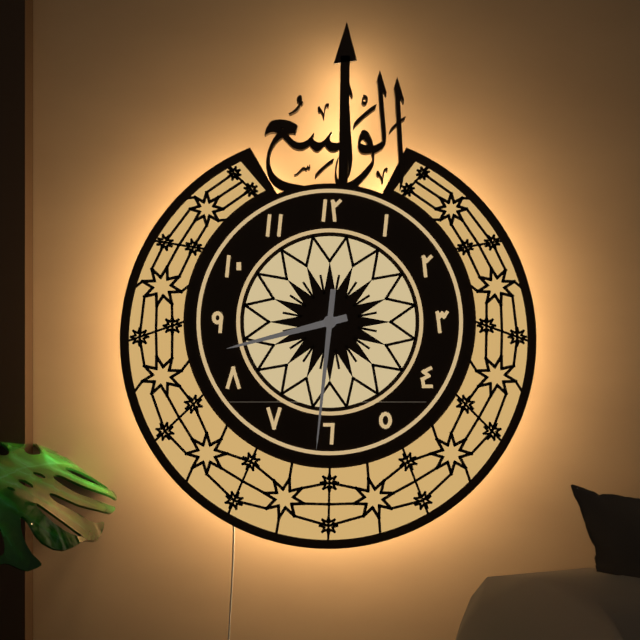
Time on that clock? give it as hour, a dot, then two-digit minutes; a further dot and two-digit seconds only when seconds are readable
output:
8.31
